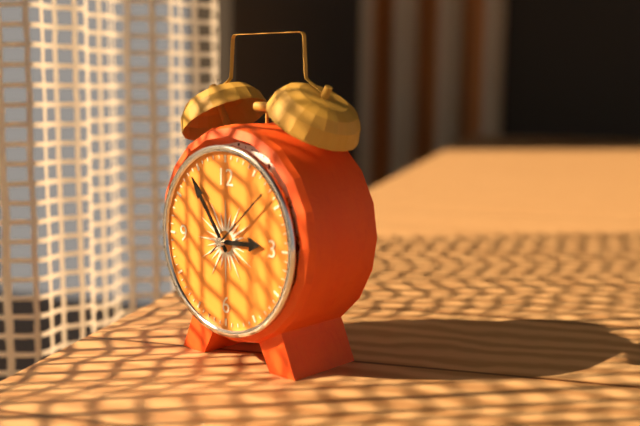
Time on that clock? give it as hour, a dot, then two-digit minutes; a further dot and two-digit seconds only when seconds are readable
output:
2.54.08
